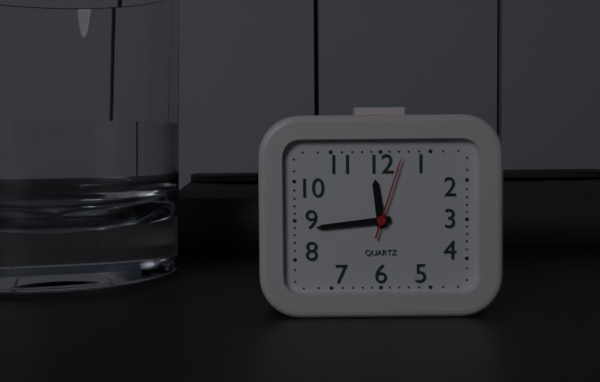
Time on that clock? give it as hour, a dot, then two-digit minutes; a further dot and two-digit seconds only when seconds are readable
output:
11.44.03
